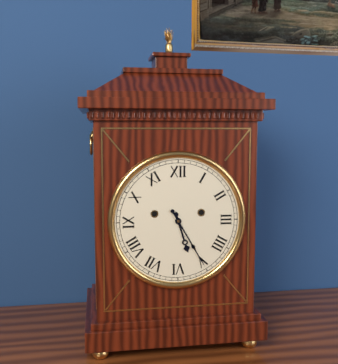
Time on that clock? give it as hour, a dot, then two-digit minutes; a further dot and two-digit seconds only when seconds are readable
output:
5.25
